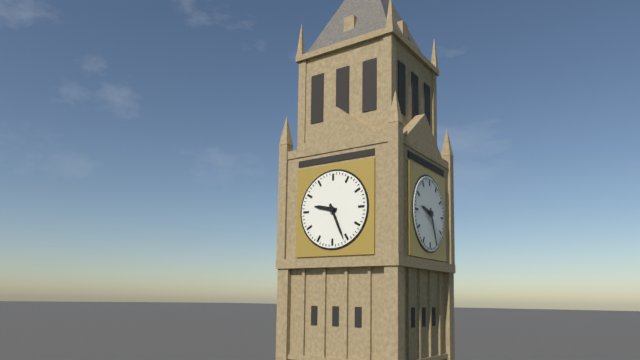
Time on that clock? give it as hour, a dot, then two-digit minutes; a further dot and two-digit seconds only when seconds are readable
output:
9.26
